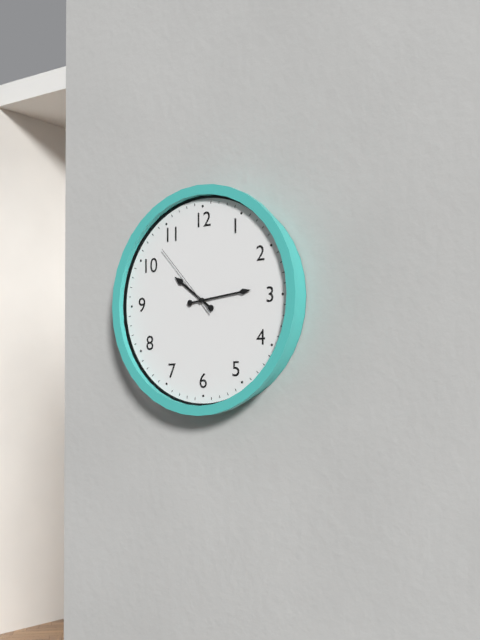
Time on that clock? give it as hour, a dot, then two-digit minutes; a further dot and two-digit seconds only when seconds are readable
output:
10.14.53
